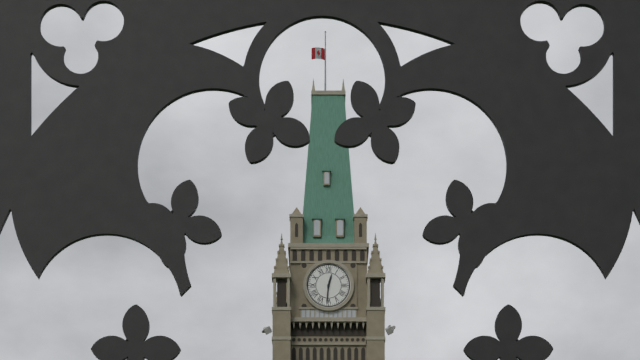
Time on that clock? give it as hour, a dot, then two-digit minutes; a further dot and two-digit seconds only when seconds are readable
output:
12.31
